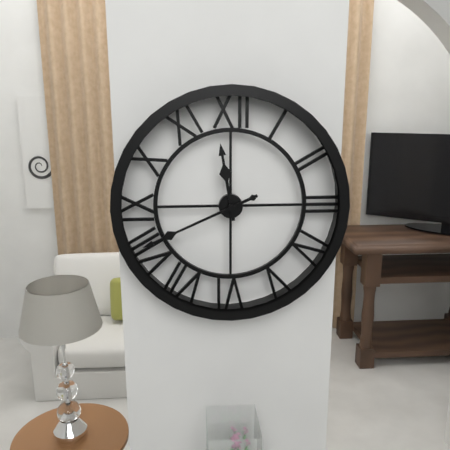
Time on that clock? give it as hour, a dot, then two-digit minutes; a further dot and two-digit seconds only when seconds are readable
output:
11.41
